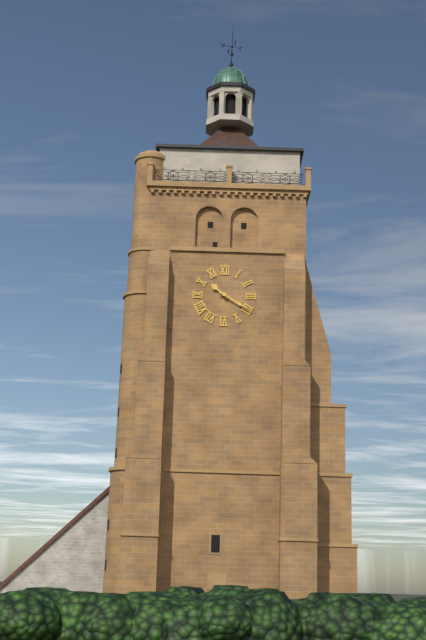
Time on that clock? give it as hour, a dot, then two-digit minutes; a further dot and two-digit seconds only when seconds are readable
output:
10.20
